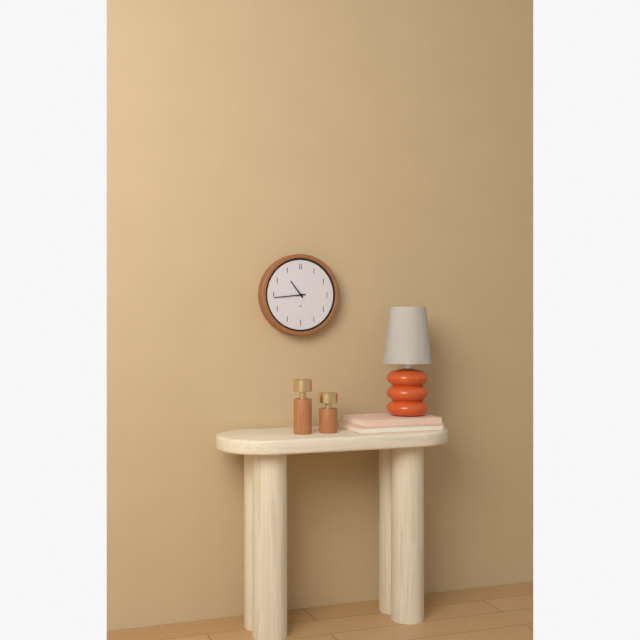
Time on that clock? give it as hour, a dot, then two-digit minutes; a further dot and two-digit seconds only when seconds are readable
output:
10.44
